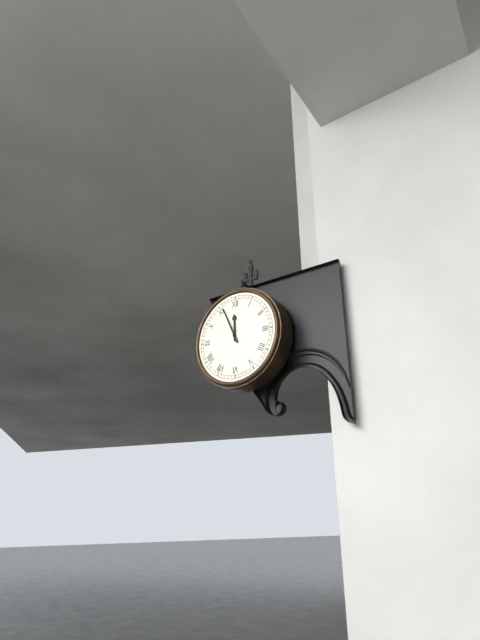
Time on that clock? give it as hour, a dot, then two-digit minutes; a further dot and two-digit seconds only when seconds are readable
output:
11.56
